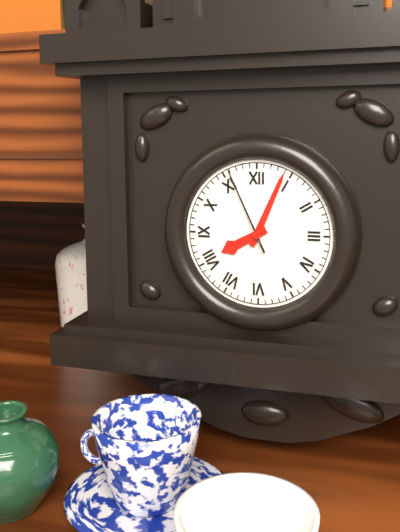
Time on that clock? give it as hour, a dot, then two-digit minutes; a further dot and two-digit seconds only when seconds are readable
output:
8.04.56
